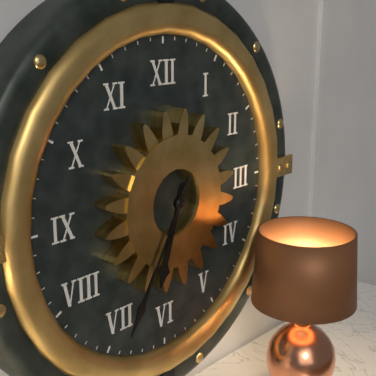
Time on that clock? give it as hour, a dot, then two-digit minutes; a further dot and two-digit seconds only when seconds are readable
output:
6.35
